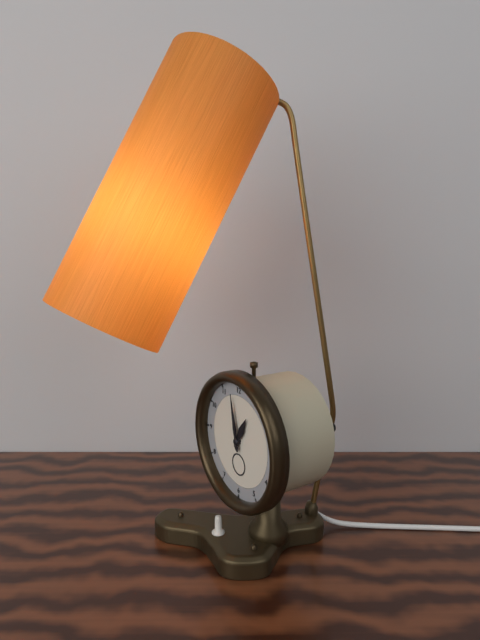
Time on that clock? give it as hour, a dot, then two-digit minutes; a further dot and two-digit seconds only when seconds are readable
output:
12.58
